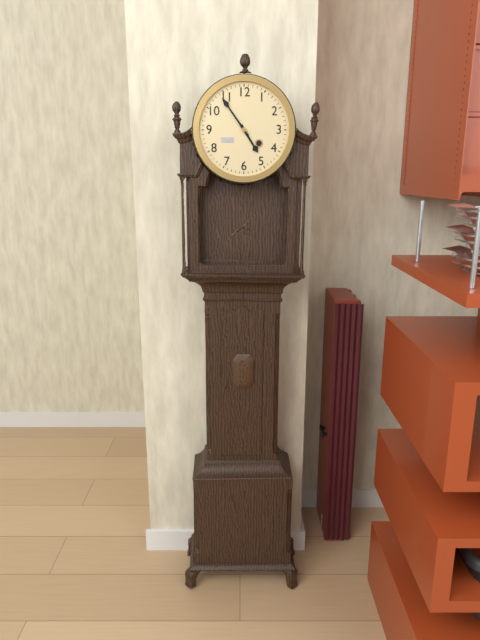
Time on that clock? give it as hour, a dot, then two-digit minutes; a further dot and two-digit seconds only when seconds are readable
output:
4.54
